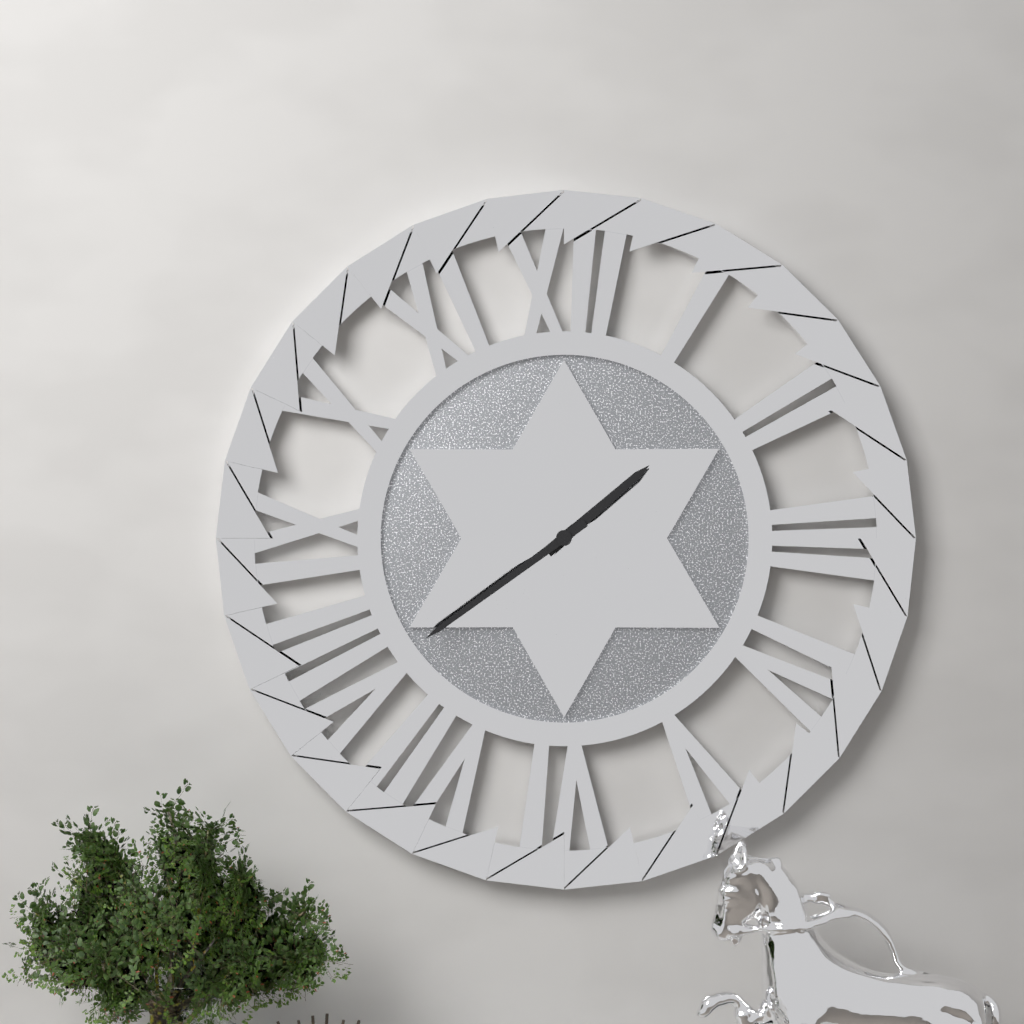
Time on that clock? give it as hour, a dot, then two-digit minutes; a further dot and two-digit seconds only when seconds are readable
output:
1.39
